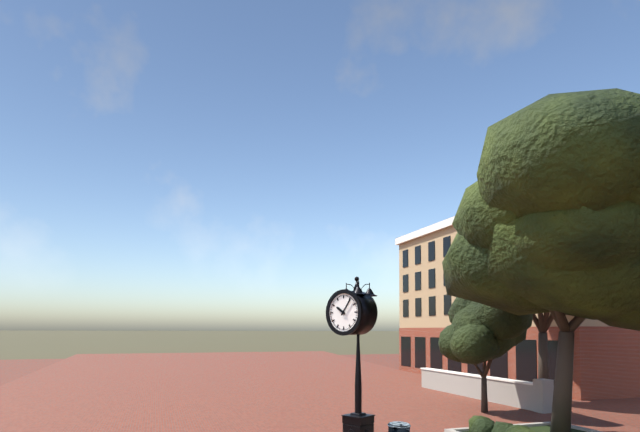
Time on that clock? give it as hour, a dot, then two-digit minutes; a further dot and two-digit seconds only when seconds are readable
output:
10.06
